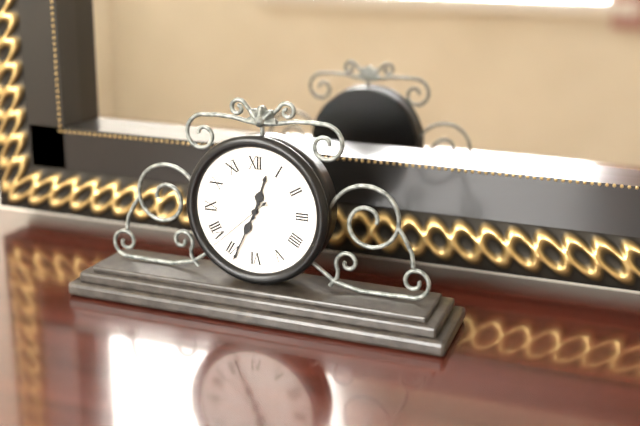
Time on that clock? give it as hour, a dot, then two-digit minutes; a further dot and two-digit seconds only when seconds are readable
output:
12.34.38
